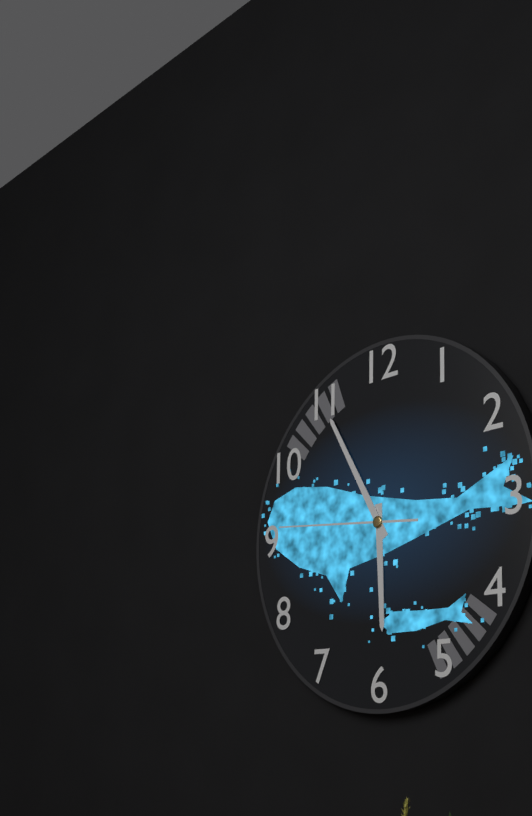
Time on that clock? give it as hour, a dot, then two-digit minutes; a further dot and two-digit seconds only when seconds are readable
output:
5.55.46
